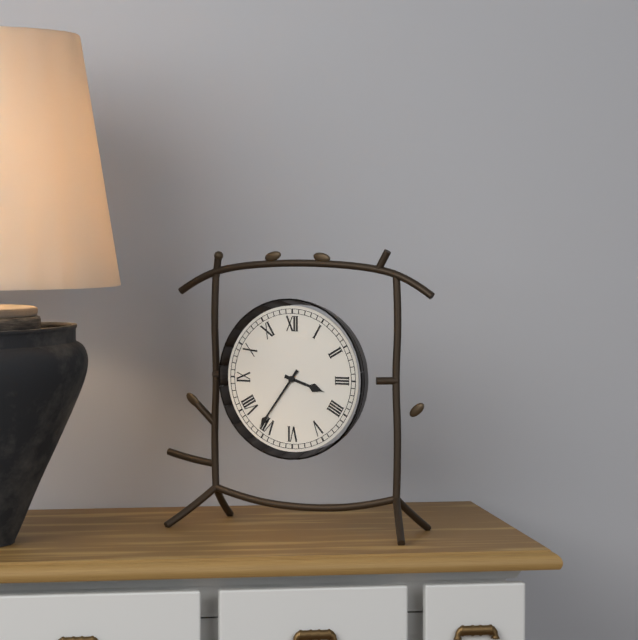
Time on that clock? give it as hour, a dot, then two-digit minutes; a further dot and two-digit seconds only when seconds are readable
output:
3.36
